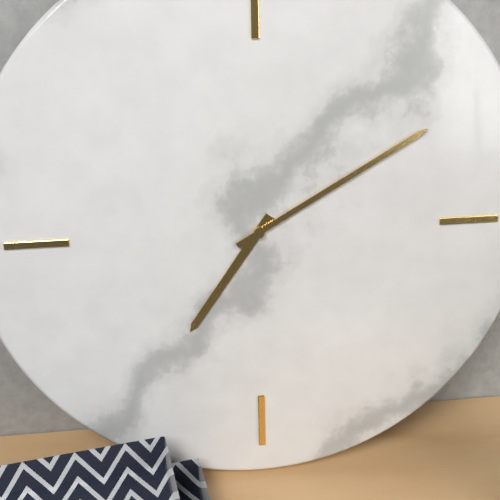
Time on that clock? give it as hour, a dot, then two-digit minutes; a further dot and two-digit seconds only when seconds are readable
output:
7.10
